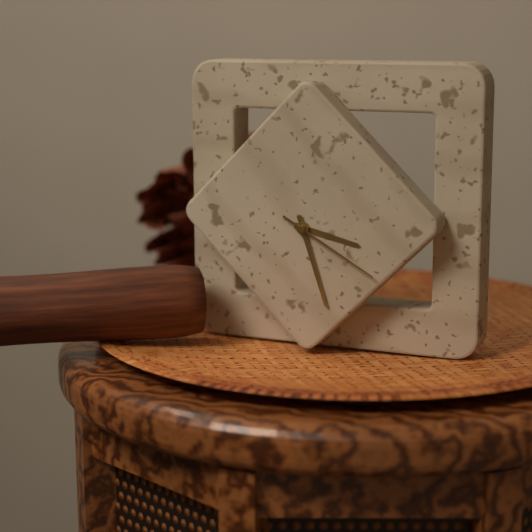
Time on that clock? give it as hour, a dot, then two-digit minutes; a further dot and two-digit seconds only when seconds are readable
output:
3.27.20
